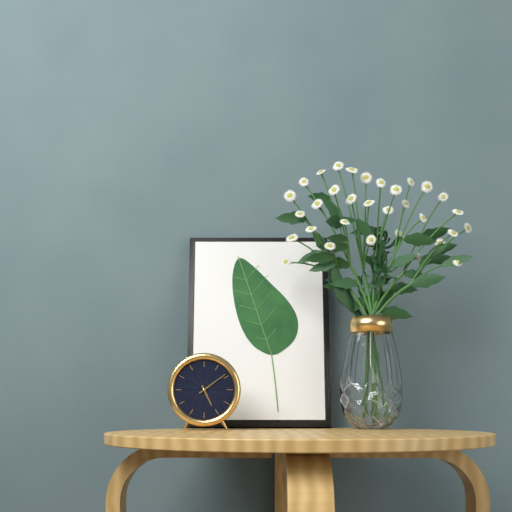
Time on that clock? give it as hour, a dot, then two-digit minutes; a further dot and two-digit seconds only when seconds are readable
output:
5.09
